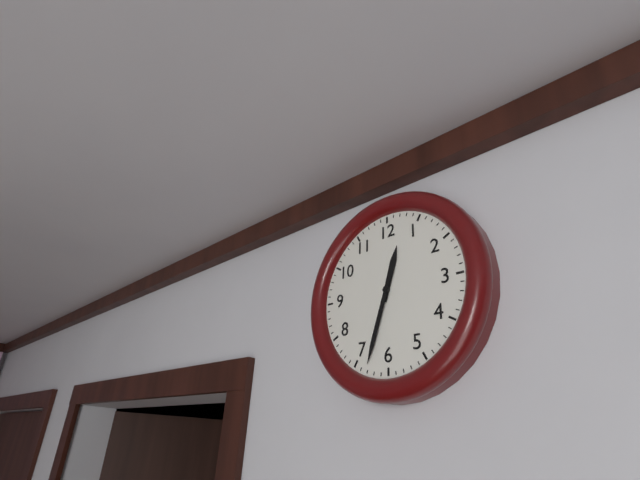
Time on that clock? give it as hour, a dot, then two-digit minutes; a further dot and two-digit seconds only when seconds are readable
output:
12.33
